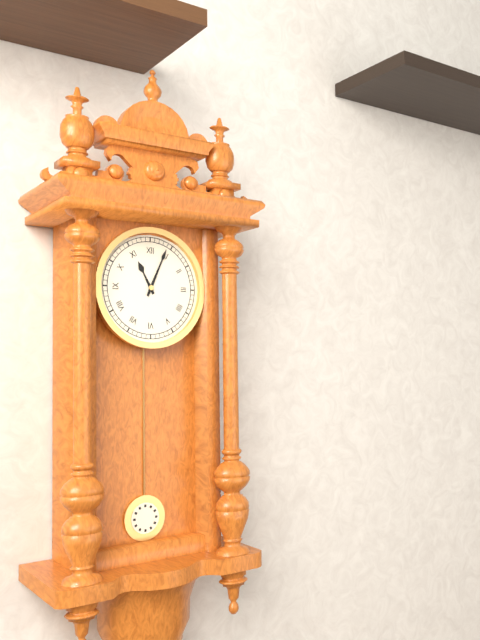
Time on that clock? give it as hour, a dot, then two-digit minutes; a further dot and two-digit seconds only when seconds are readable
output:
11.04
